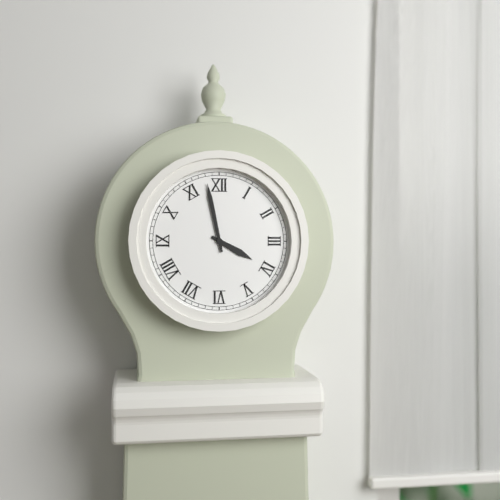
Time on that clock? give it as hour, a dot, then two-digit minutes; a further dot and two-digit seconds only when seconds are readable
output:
3.58
